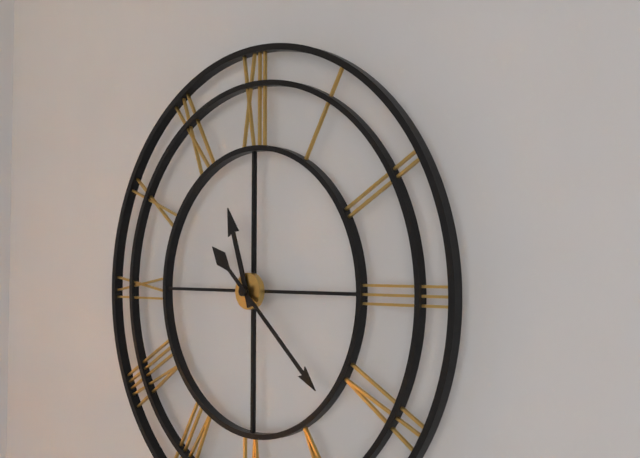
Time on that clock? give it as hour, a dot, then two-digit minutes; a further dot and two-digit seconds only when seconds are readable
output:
11.22
